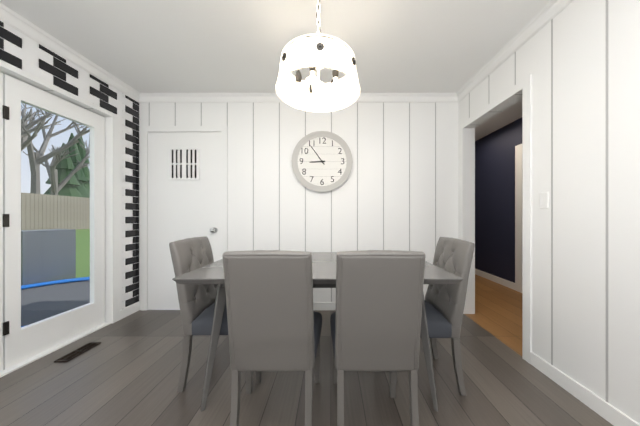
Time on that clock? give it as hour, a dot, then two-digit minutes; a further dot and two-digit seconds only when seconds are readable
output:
8.54
